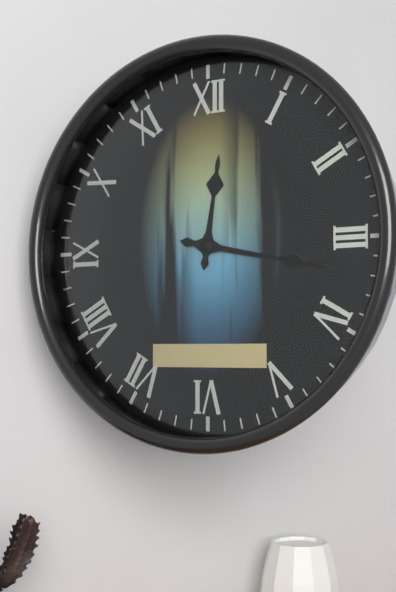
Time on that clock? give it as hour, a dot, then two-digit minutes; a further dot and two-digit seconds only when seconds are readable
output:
12.17
